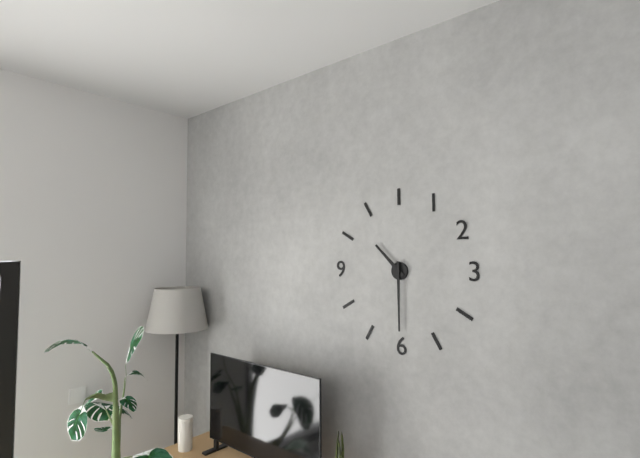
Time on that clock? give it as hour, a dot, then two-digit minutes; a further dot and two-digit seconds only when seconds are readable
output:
10.30
